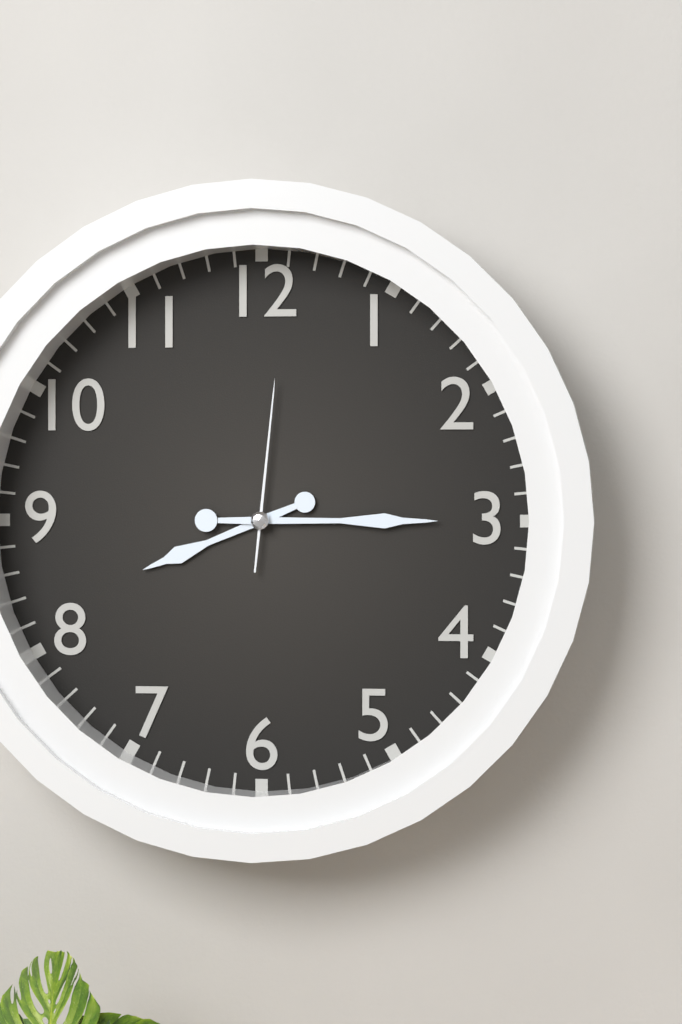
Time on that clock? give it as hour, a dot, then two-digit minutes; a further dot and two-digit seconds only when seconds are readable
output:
8.15.01
